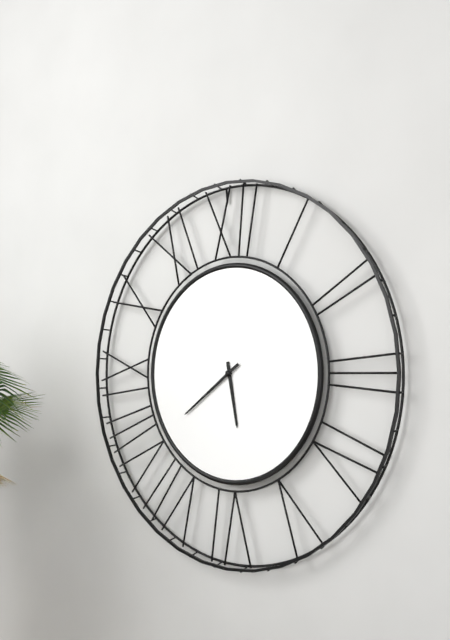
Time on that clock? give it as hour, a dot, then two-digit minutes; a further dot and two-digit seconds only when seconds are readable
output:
5.39
